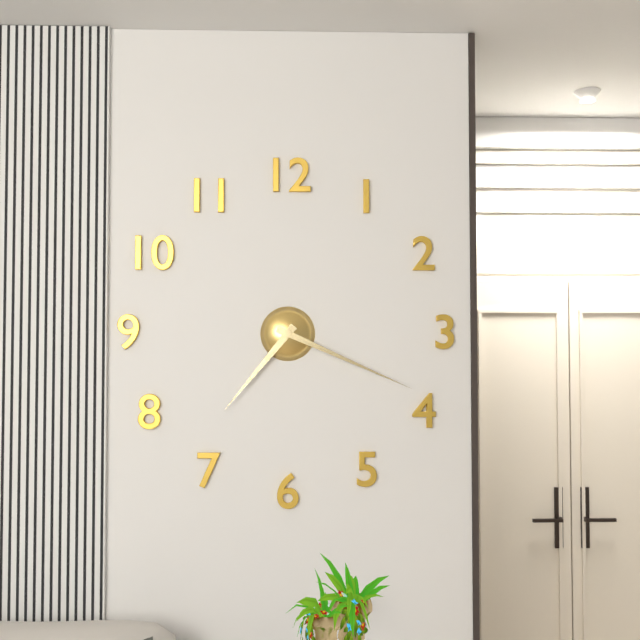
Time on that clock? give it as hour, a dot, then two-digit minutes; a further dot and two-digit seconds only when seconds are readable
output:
7.19
